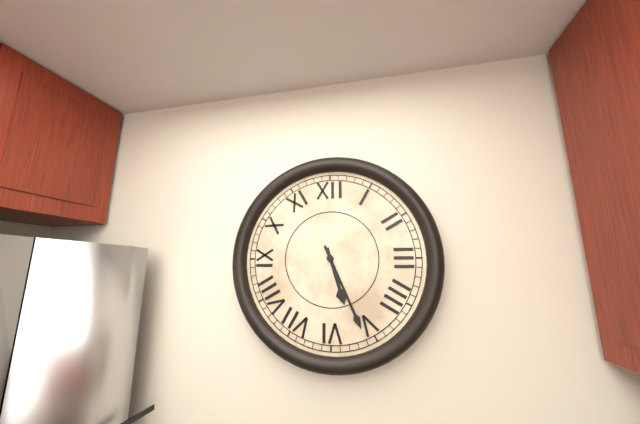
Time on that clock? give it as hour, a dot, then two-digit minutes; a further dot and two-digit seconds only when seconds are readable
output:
5.26
